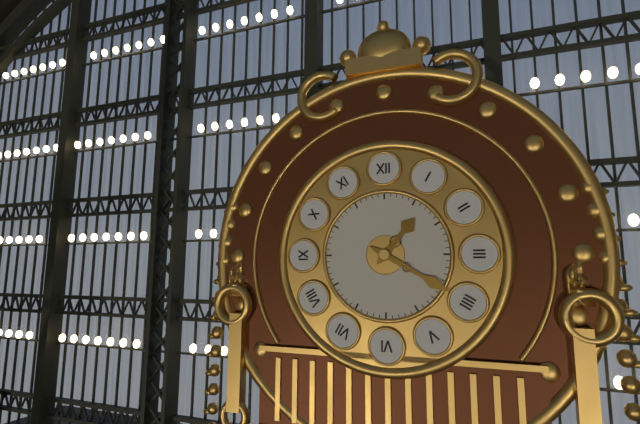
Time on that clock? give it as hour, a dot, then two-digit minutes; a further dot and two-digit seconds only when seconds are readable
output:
1.20
